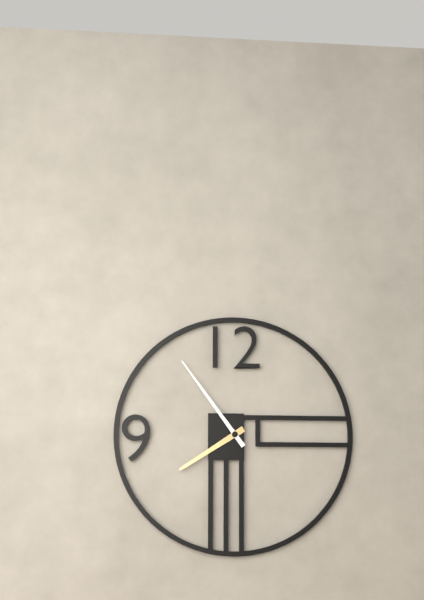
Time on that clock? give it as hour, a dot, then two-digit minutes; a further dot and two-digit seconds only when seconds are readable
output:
7.54
